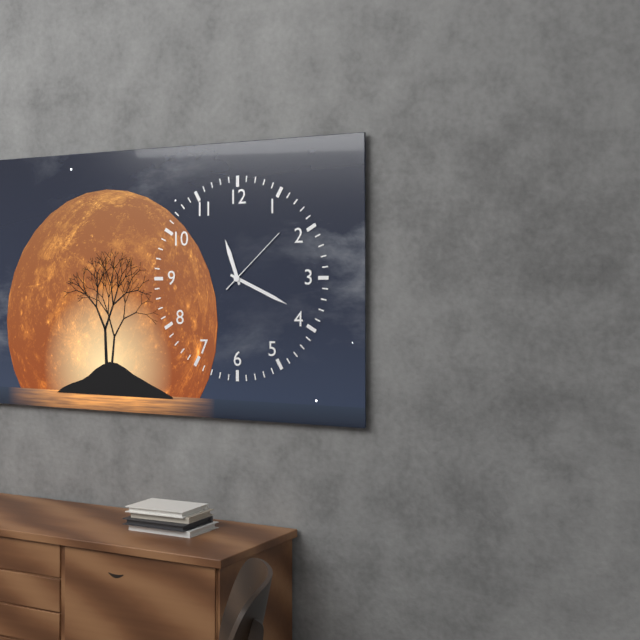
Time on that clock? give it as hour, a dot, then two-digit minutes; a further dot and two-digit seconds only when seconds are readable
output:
11.19.08
